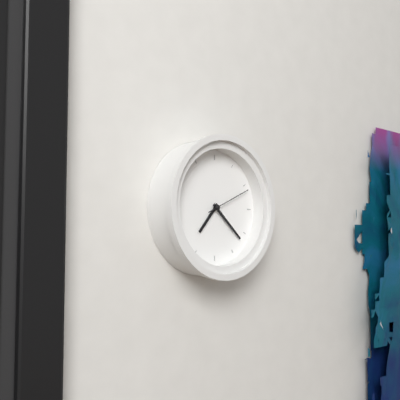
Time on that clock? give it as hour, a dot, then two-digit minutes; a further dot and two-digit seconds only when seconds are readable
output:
7.22
